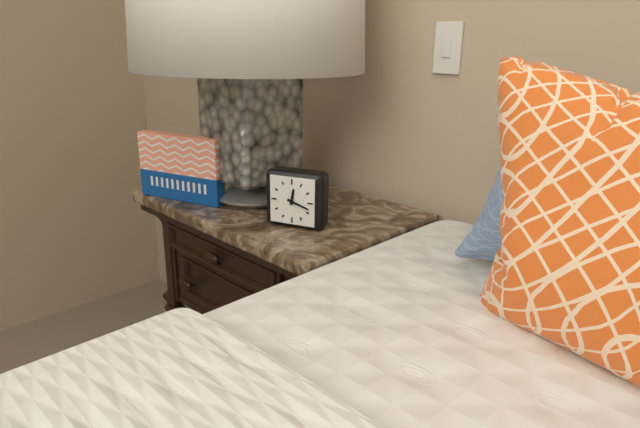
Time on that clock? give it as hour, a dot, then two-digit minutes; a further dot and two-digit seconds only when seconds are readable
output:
12.18
